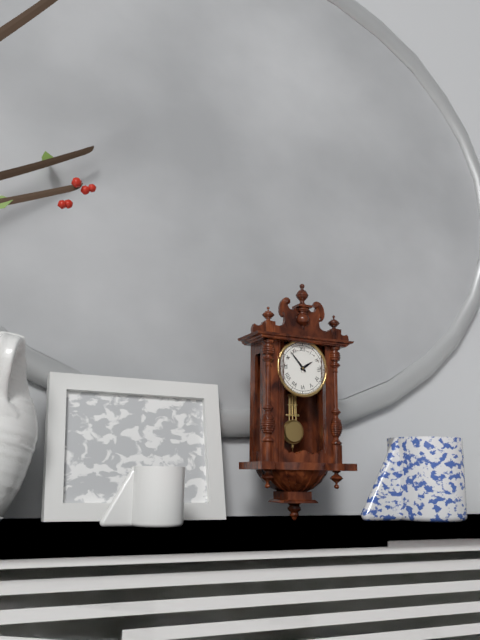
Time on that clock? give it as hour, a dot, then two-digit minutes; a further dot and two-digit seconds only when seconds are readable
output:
1.53
